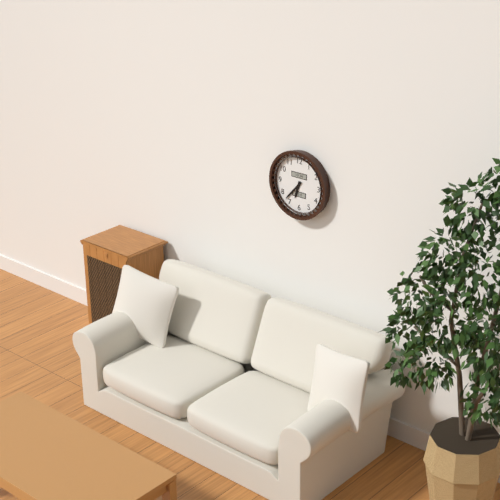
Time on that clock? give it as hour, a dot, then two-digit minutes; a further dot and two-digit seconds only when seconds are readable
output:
6.37
